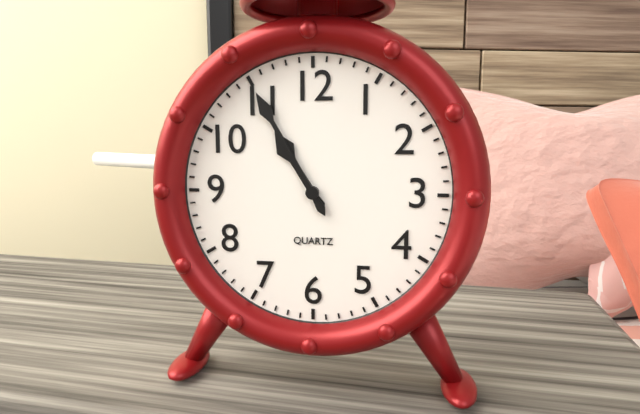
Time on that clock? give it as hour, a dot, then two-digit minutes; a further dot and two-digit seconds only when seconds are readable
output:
10.55
